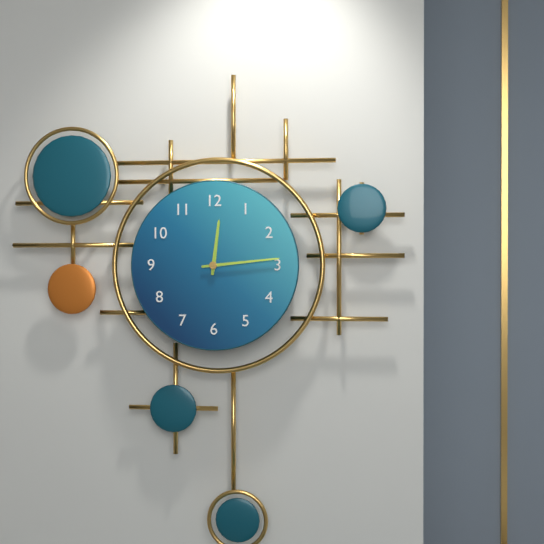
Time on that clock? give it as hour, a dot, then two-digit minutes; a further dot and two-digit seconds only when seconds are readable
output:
12.14
